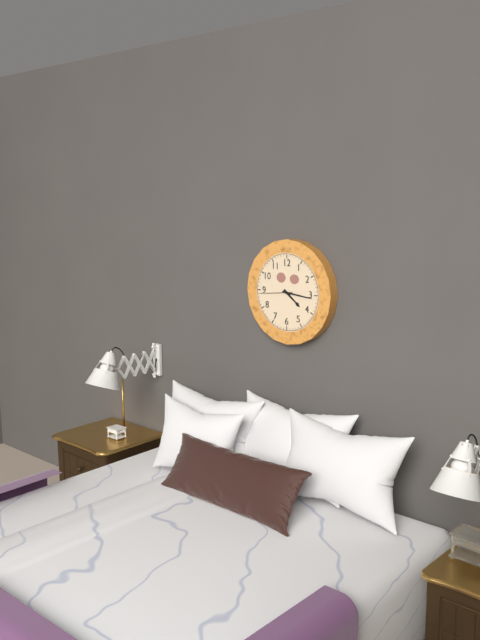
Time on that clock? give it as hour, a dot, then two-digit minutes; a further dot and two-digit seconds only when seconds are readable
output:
4.16
